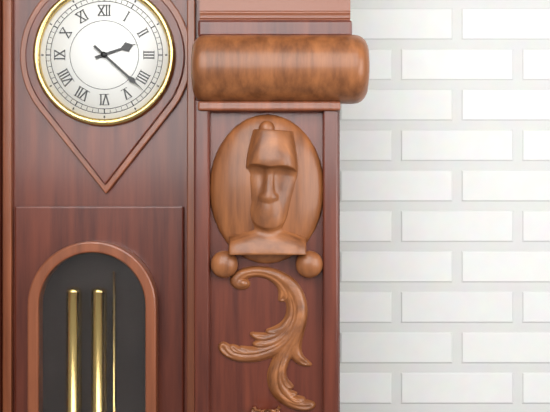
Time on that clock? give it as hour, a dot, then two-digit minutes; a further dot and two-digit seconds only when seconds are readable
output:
2.22
